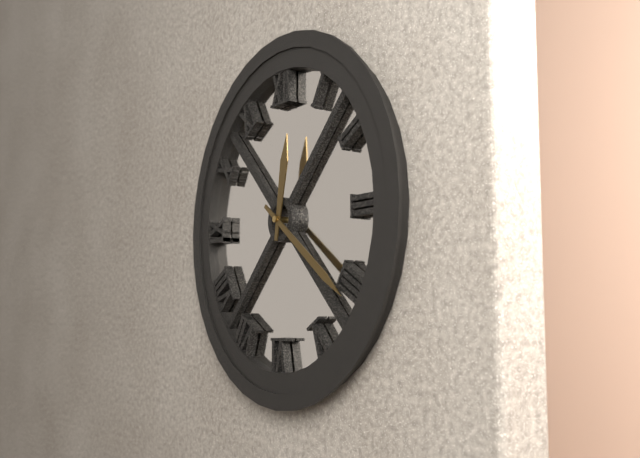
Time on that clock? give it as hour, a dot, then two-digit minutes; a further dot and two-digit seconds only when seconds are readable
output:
12.21
